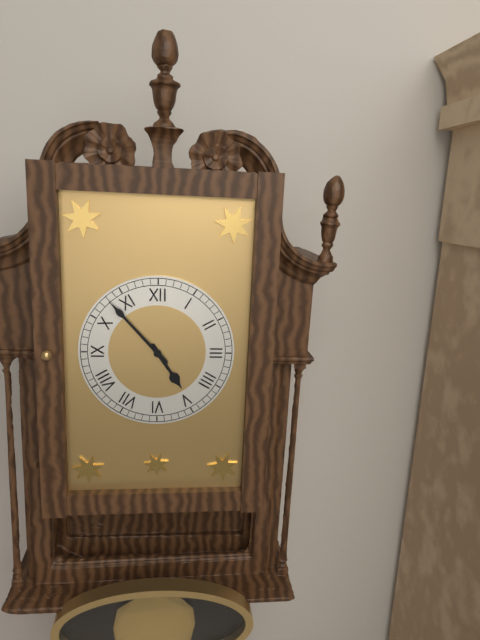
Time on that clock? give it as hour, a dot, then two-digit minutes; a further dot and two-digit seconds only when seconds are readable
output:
4.53
